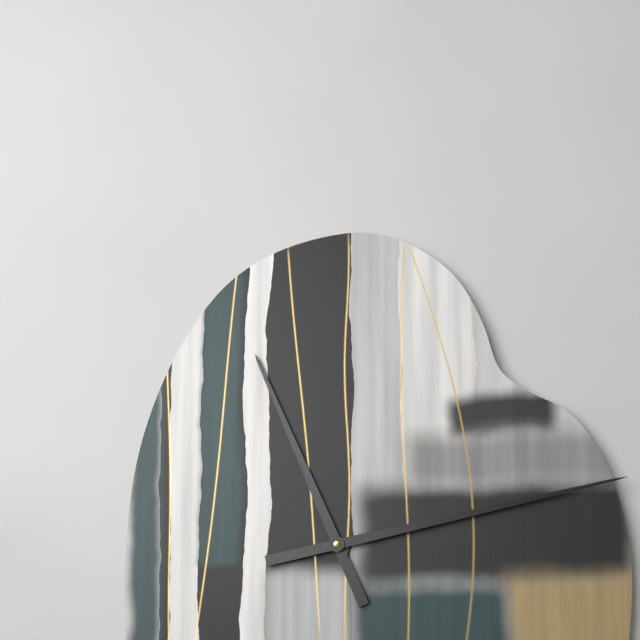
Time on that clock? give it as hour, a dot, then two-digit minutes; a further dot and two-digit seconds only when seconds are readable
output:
11.13
